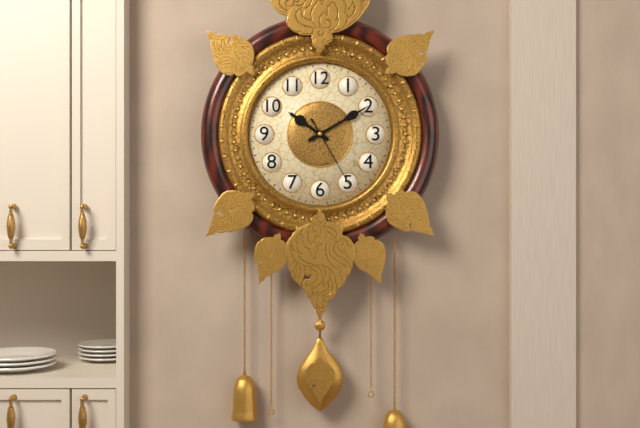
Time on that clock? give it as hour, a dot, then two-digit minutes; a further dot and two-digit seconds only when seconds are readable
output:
10.10.25
